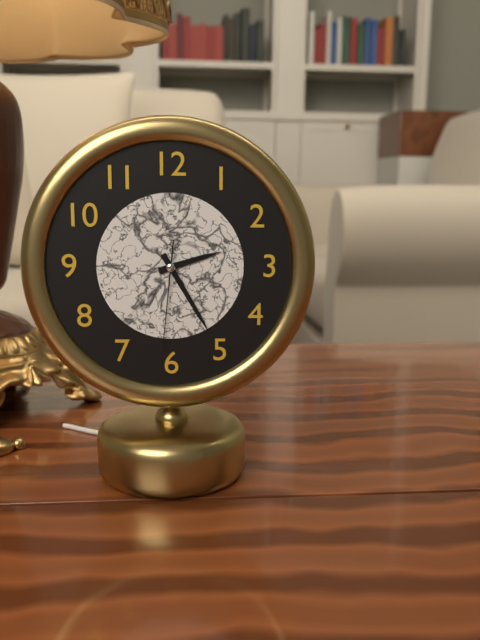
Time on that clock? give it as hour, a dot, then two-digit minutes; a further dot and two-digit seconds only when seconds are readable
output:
2.25.31
